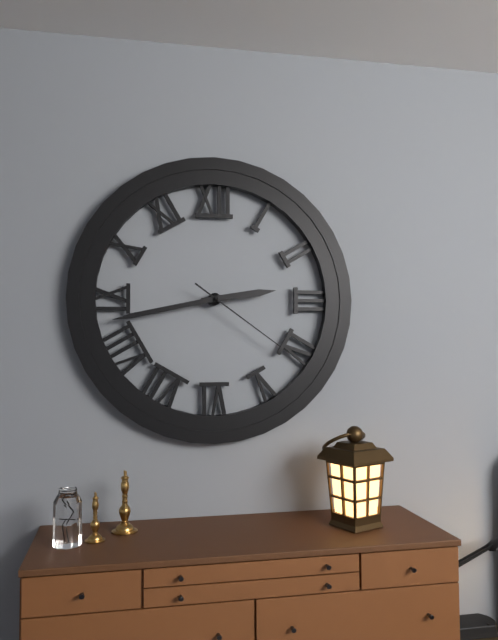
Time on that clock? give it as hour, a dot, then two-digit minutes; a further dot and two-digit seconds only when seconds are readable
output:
2.43.21
